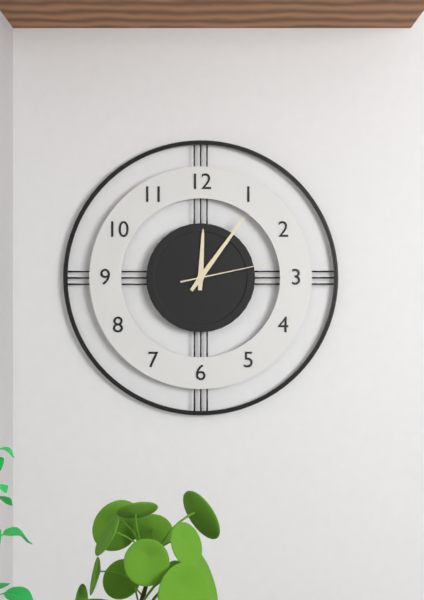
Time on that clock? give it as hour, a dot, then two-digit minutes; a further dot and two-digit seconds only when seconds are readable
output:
12.06.13
